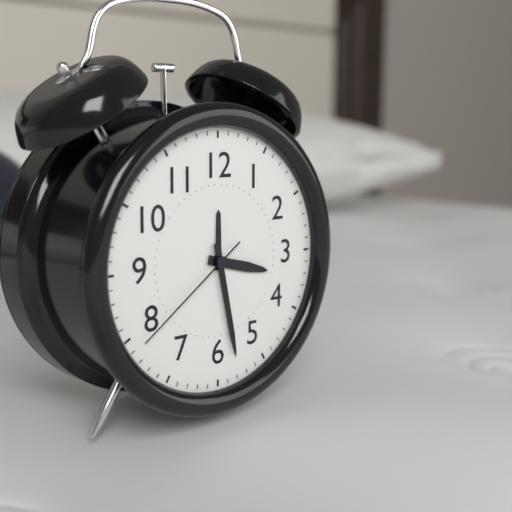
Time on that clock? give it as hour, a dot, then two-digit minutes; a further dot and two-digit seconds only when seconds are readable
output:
3.28.39
